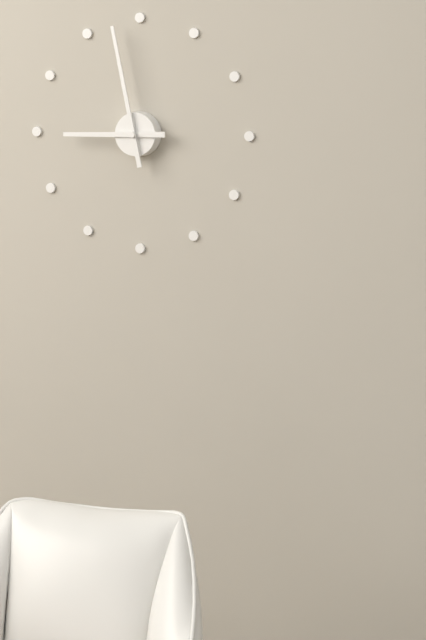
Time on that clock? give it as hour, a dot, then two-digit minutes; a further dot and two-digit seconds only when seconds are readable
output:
8.58
